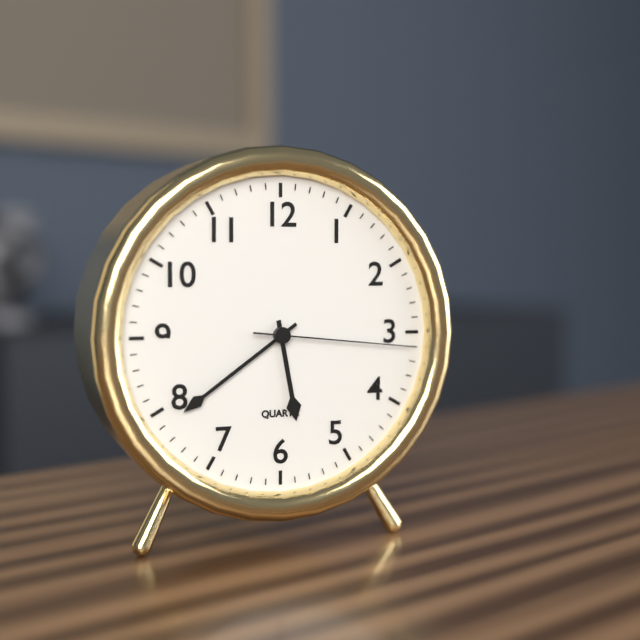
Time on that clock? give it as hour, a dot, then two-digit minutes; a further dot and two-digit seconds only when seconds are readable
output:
5.39.16
